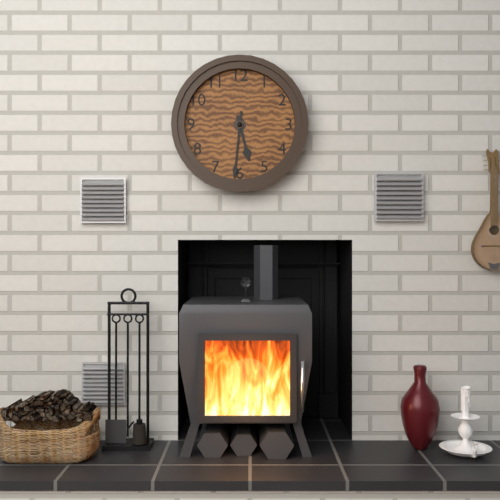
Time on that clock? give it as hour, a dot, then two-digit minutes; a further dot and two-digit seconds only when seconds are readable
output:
5.31
